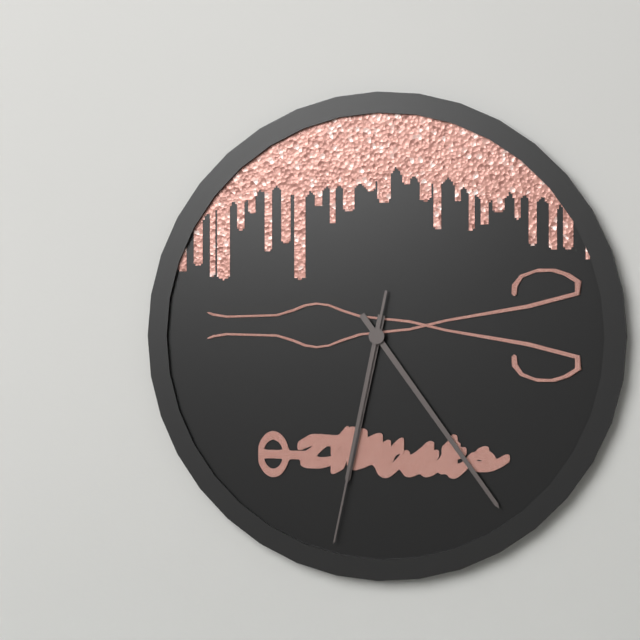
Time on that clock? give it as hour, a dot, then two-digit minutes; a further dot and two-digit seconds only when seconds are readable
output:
6.24.32
